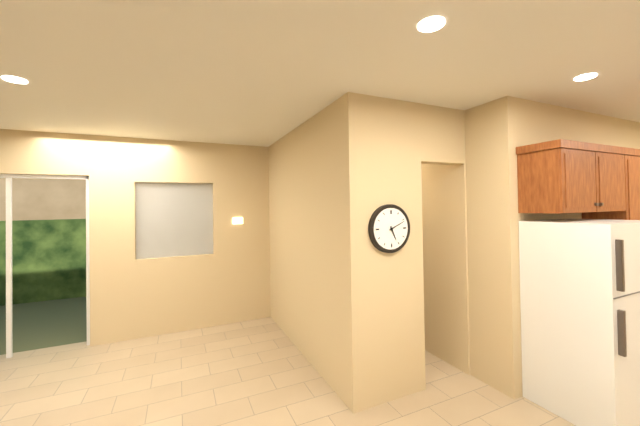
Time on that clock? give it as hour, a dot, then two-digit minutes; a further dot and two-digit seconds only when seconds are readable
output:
5.11
